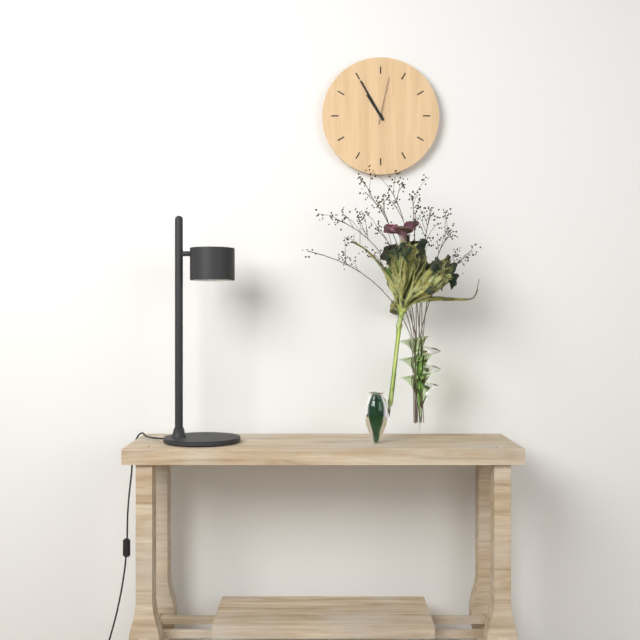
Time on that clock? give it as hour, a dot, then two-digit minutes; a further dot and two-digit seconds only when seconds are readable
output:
10.55
